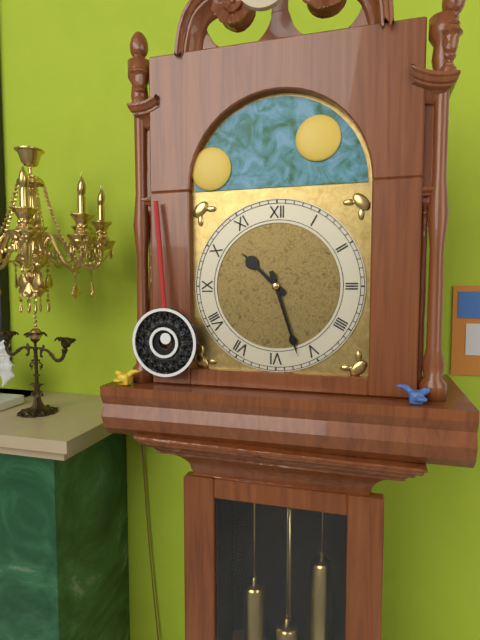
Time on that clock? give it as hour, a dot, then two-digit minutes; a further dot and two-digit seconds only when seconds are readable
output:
10.27
